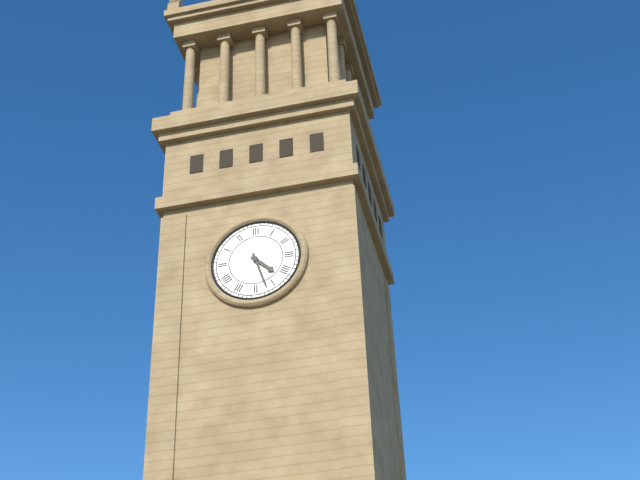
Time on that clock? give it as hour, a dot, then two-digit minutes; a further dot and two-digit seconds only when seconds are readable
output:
4.27
